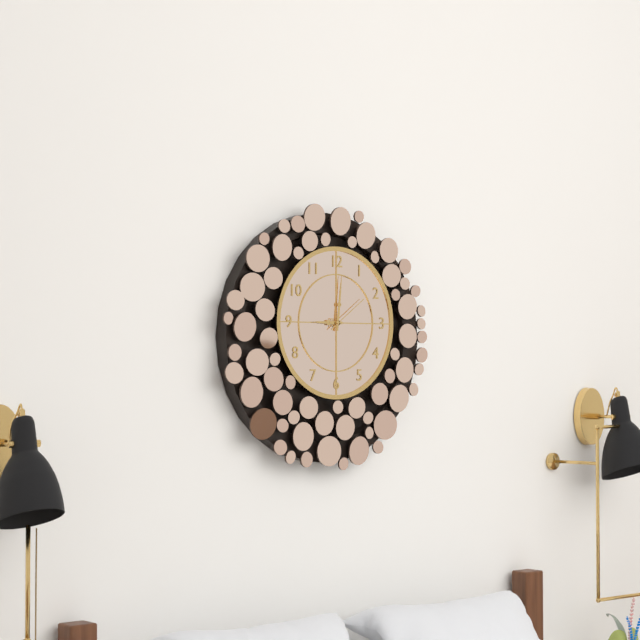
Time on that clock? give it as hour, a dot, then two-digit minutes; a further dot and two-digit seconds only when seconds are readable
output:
9.01
